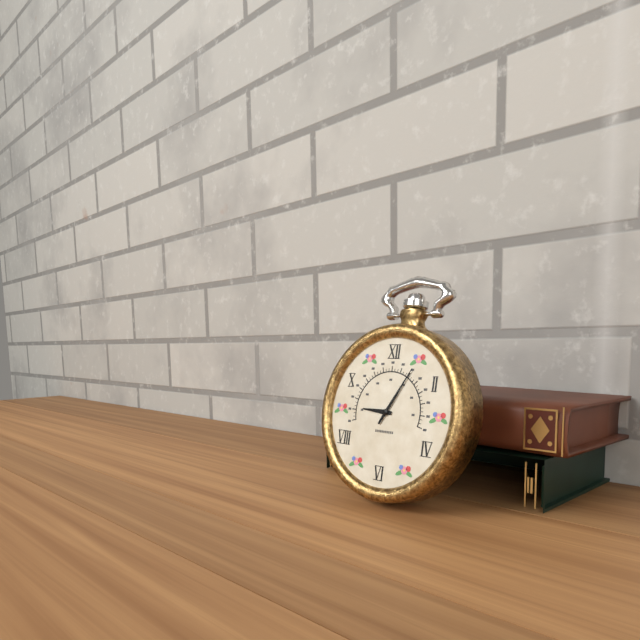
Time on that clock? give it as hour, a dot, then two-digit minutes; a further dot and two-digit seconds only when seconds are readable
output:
9.05
